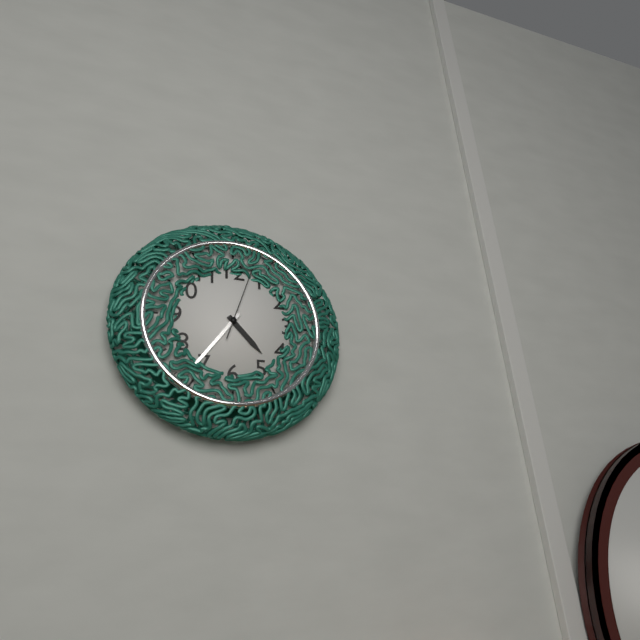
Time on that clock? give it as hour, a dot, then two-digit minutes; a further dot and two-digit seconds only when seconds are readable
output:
4.36.03
